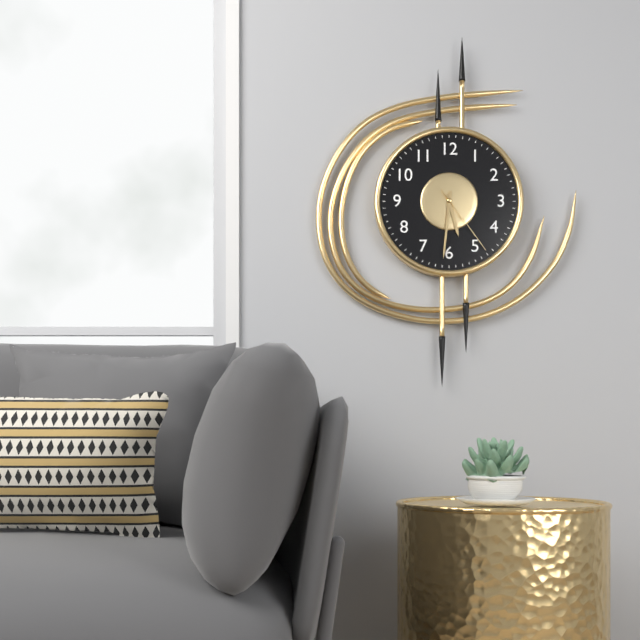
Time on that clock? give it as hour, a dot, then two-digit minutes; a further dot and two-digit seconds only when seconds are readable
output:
5.31.24
